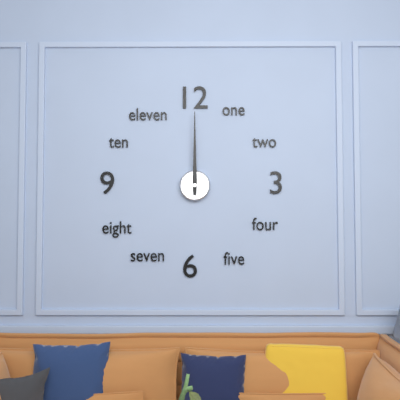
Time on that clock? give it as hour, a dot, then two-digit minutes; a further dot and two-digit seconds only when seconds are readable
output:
12.00
